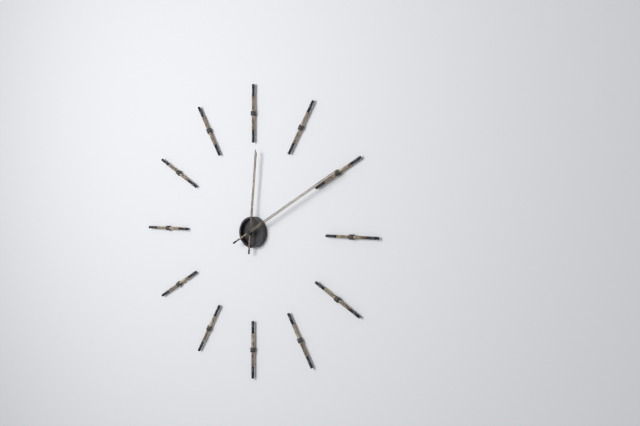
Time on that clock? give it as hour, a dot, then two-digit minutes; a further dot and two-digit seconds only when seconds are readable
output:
12.10
